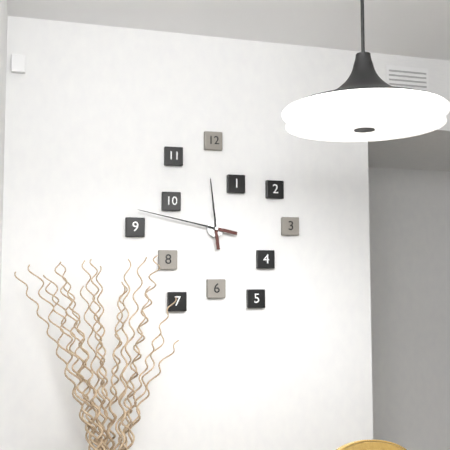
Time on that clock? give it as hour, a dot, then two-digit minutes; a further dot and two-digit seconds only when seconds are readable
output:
11.47
